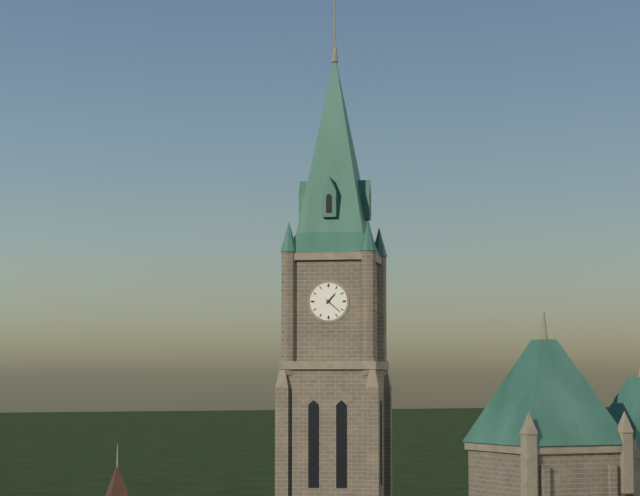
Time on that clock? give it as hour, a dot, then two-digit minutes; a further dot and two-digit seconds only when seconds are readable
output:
1.22
